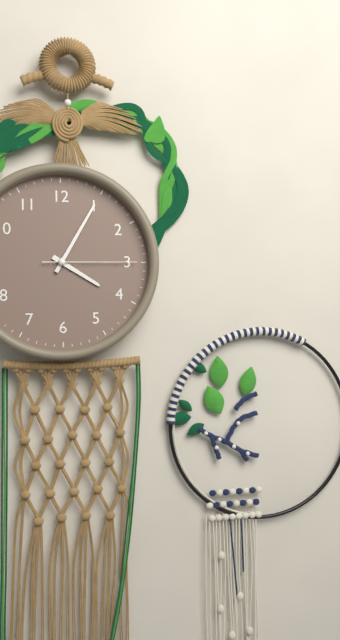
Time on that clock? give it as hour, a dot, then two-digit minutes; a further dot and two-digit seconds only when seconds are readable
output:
4.05.15
